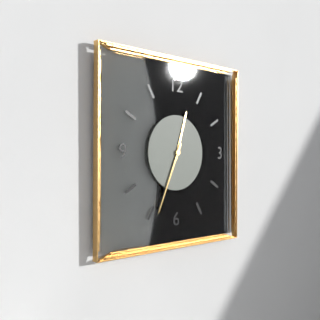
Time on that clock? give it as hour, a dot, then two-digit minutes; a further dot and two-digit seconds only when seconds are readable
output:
12.34
